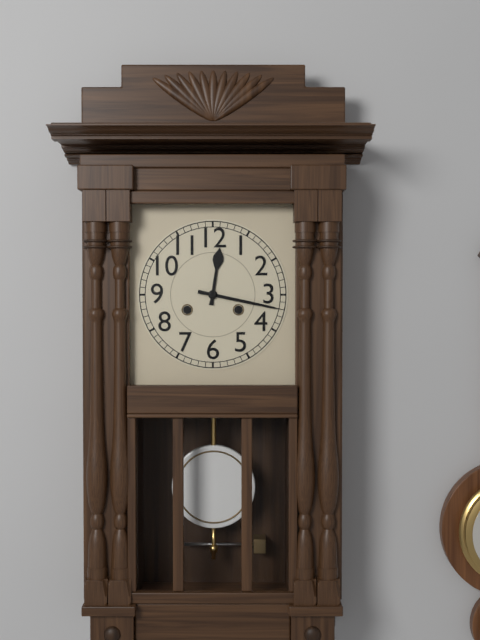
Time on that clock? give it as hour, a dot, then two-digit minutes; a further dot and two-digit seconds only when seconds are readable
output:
12.17
